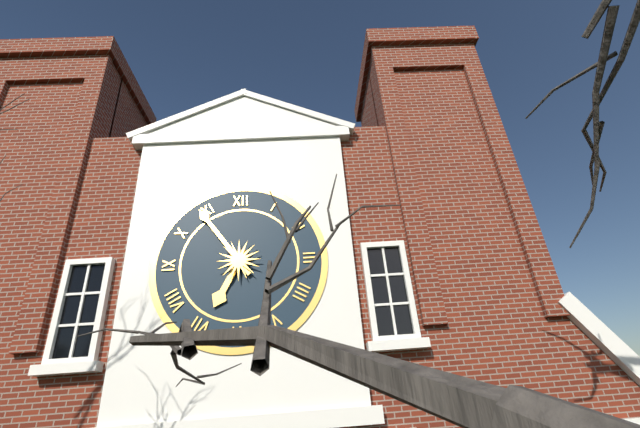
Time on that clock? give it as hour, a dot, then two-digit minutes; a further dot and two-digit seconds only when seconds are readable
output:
6.54
